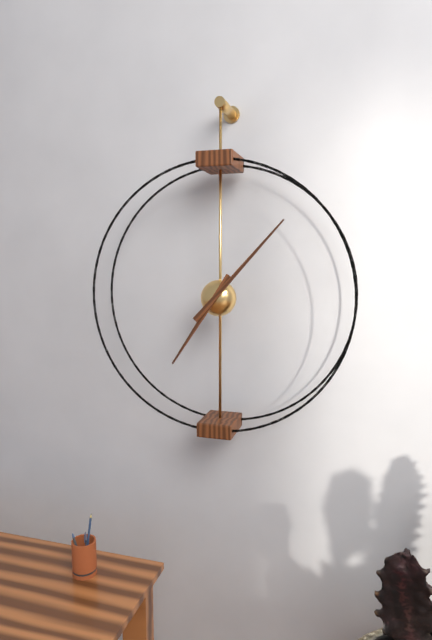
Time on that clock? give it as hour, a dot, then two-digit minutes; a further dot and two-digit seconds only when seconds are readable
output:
7.07
